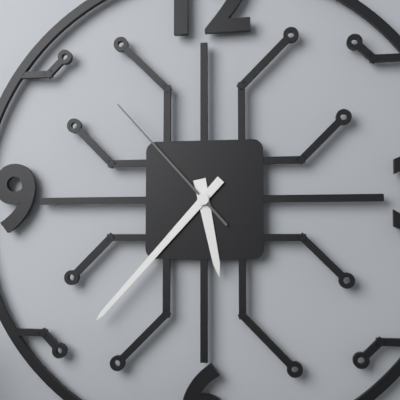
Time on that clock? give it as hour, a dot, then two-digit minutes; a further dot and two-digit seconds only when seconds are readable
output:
5.37.53
